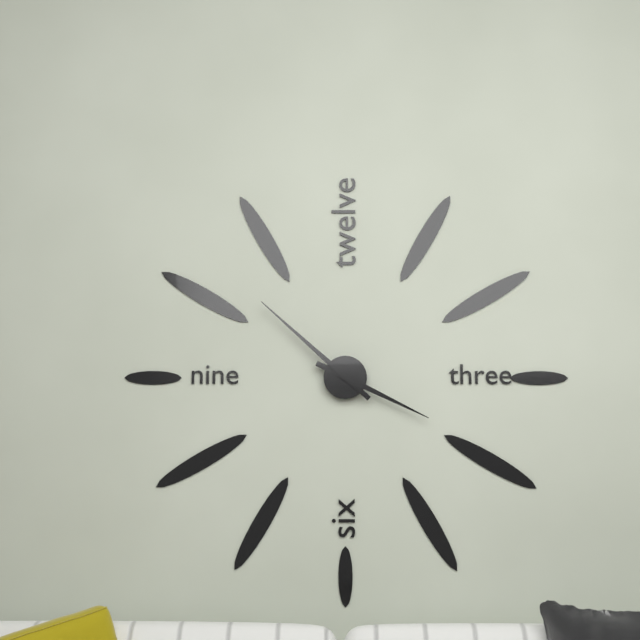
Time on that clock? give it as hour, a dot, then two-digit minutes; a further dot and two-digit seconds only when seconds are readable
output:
3.52
